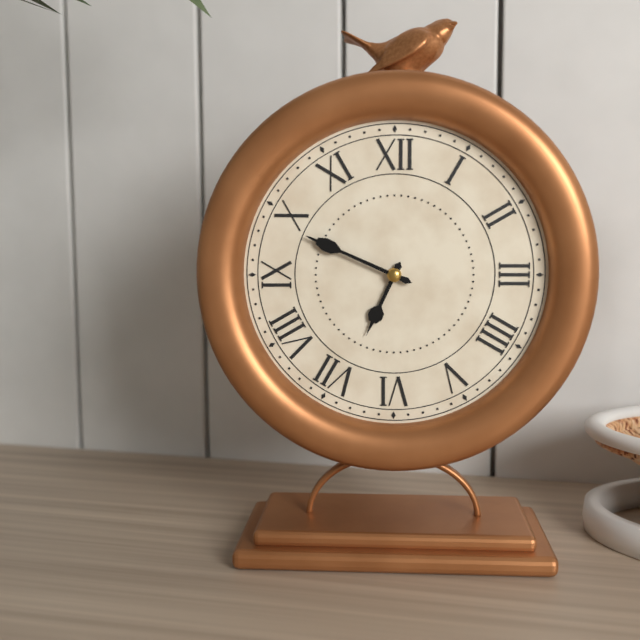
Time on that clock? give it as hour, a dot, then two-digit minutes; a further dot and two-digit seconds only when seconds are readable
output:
6.49
